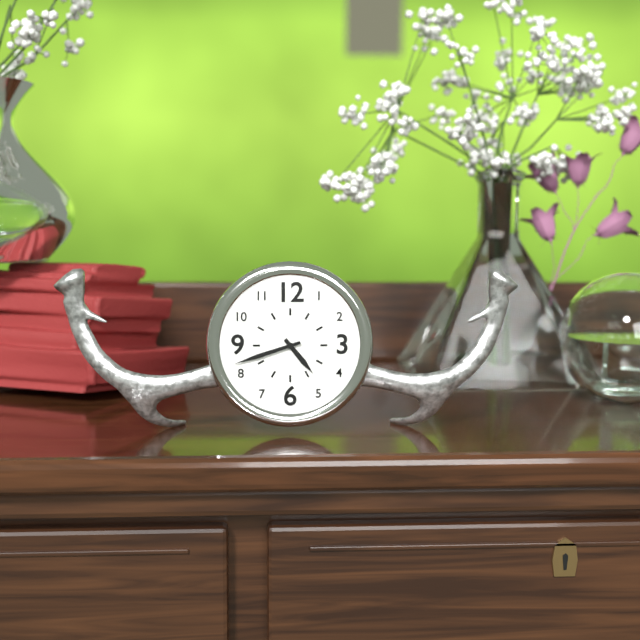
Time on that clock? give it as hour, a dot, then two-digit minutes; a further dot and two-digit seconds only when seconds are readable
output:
4.42
